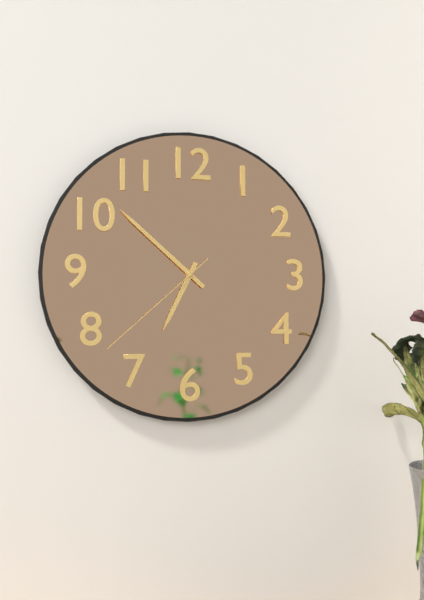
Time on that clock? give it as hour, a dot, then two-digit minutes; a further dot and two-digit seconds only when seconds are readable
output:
6.52.38
